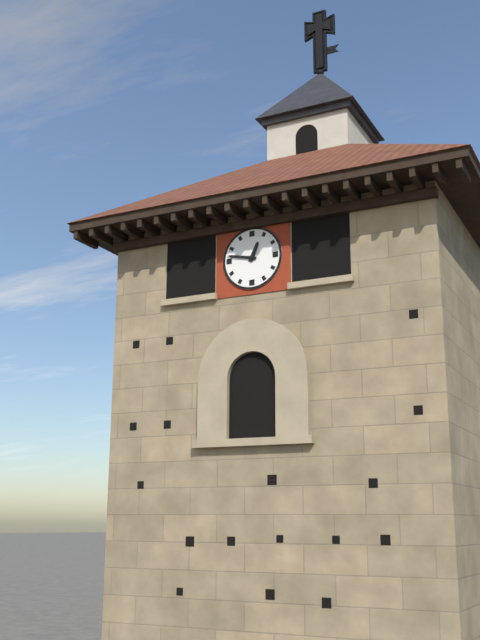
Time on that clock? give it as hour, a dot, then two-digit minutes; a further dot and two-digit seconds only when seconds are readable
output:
12.47
